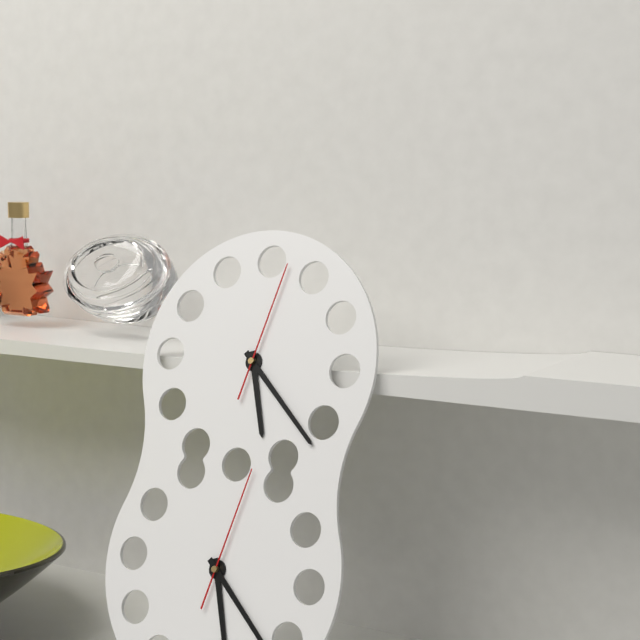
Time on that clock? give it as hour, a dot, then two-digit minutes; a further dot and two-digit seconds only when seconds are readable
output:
5.22.02
